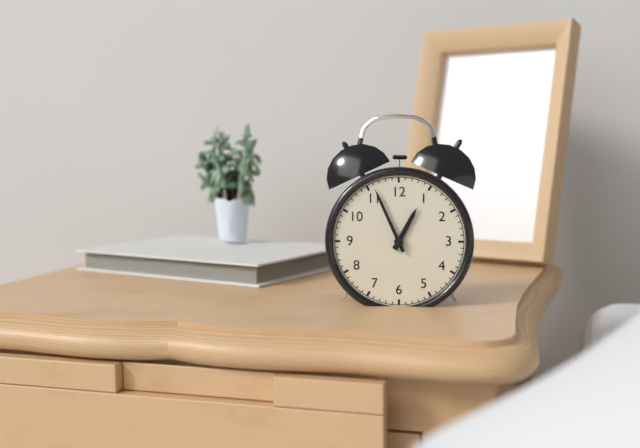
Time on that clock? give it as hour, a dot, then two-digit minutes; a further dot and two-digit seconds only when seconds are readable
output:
12.56
